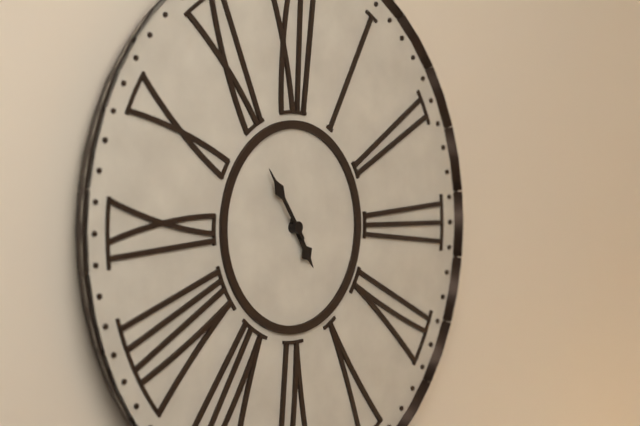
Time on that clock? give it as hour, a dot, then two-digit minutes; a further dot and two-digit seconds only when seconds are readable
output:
4.54
